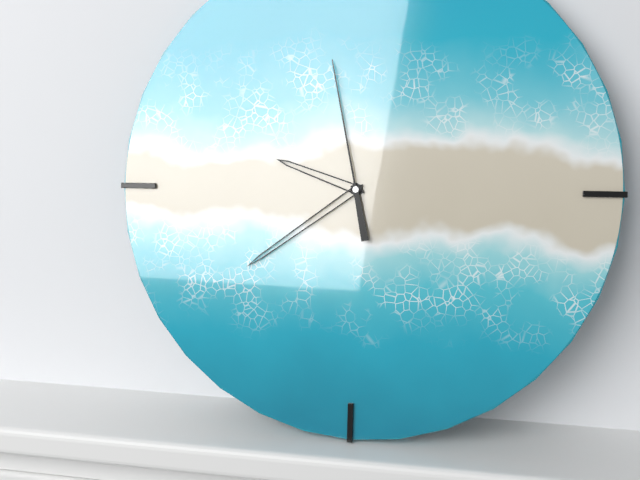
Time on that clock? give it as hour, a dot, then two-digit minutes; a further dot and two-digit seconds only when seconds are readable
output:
9.39.58
